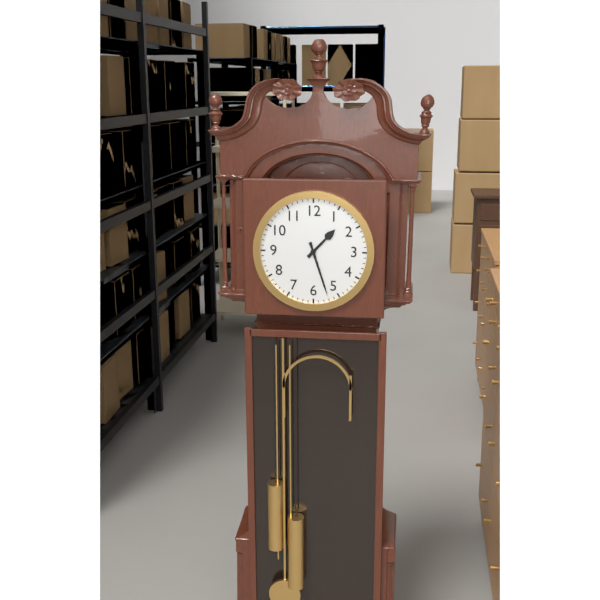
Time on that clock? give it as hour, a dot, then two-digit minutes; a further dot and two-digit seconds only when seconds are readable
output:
1.27
